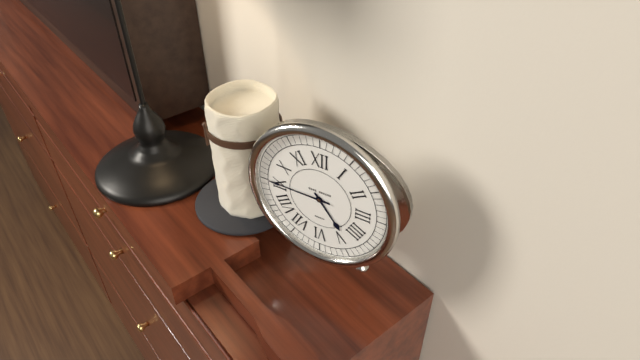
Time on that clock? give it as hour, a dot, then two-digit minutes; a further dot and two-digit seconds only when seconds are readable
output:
4.45
